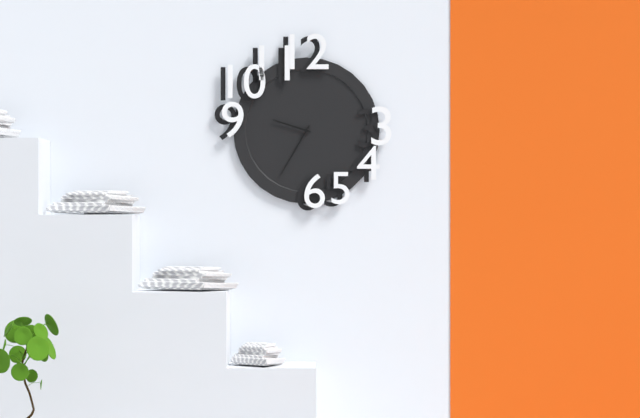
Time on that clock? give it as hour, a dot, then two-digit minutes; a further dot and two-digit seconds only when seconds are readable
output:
9.35
